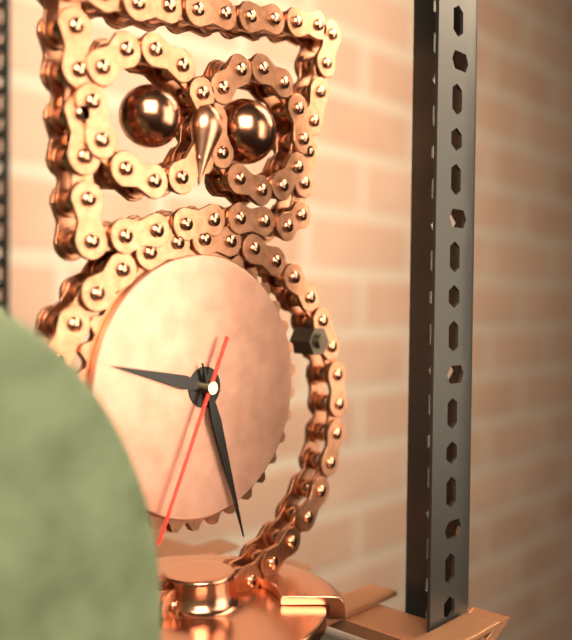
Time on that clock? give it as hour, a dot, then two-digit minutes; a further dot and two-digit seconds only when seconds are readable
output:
9.27.34
